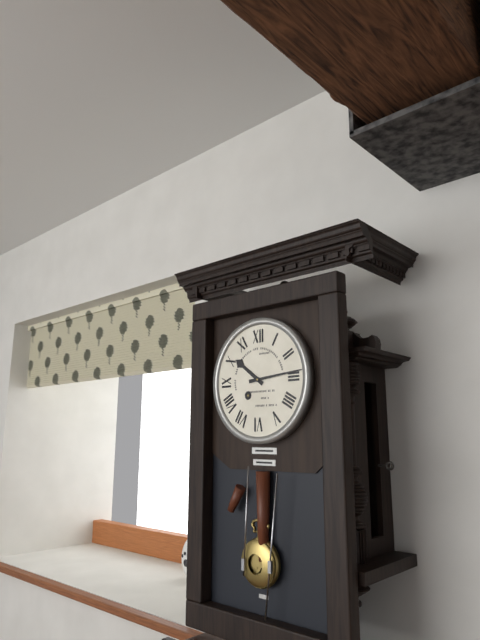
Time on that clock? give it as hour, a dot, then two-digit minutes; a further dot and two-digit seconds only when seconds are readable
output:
10.14
